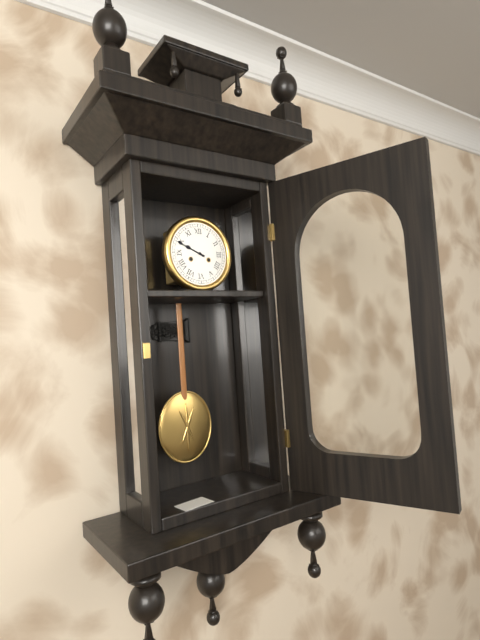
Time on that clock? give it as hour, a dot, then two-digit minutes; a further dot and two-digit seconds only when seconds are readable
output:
9.49
